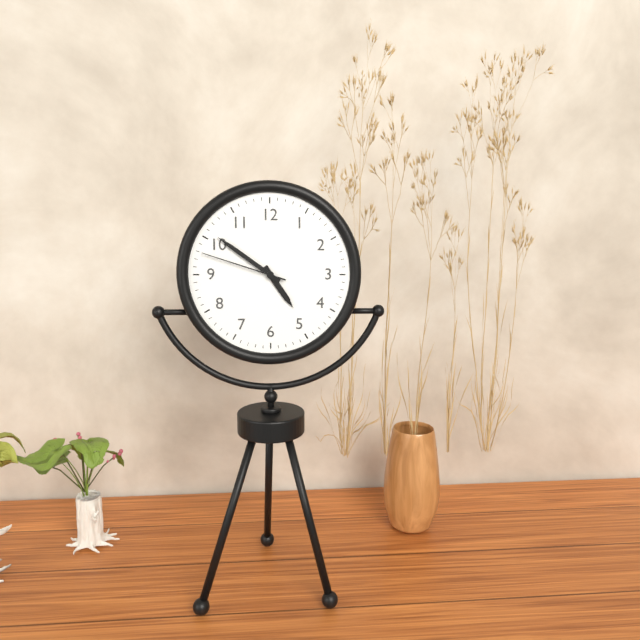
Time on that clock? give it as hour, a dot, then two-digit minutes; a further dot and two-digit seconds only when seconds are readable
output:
4.51.48
